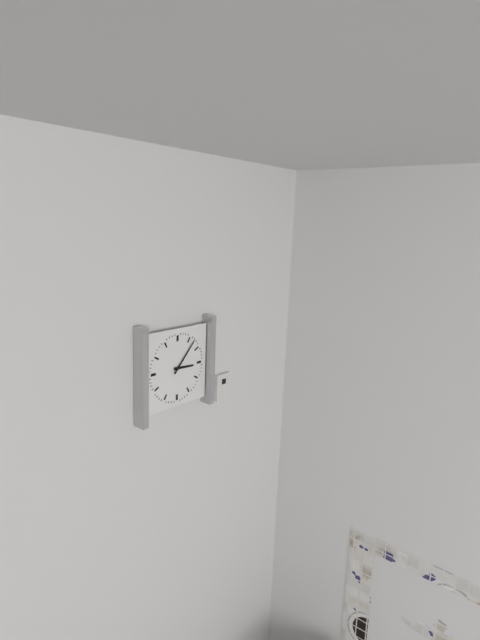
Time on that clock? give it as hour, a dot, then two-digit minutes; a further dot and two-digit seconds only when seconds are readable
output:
3.07
